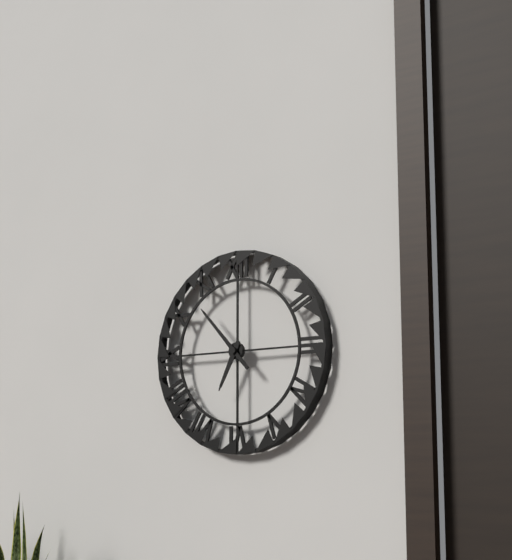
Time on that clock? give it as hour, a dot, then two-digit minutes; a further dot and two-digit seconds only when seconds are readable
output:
6.53
